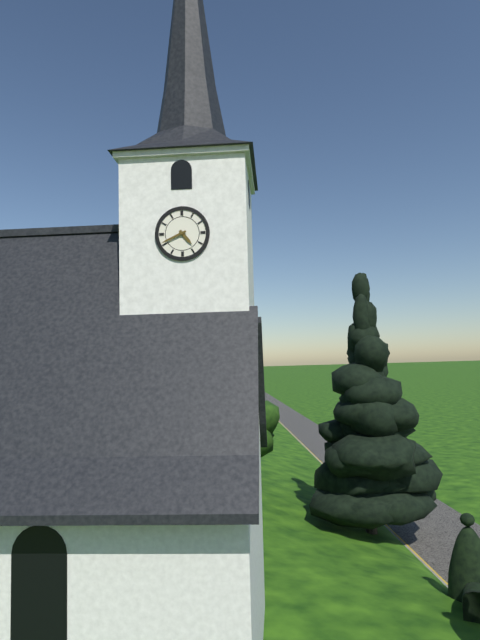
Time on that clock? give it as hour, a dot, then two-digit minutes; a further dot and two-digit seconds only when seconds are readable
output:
4.41
